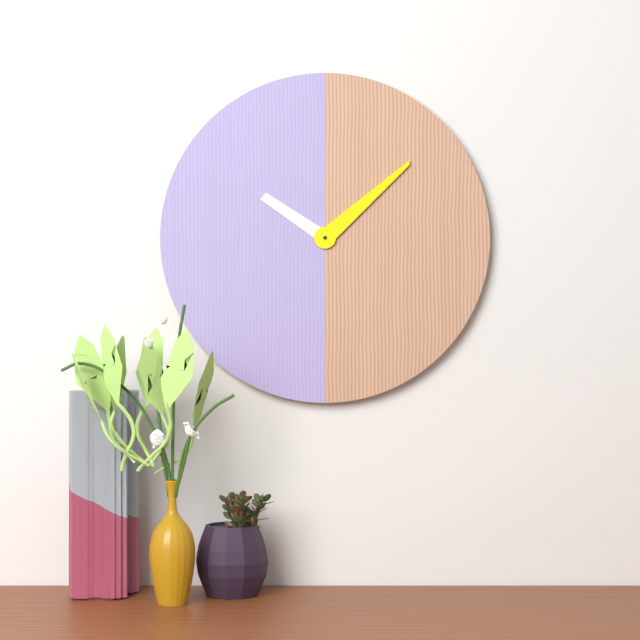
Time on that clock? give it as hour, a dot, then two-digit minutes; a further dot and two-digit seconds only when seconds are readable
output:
10.08
